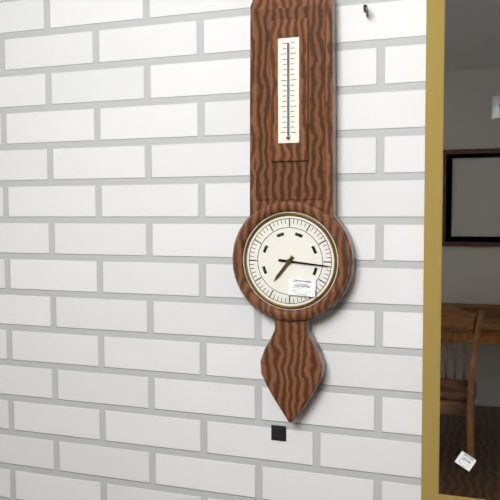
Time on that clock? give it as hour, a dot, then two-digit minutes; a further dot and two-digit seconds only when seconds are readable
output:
7.16
